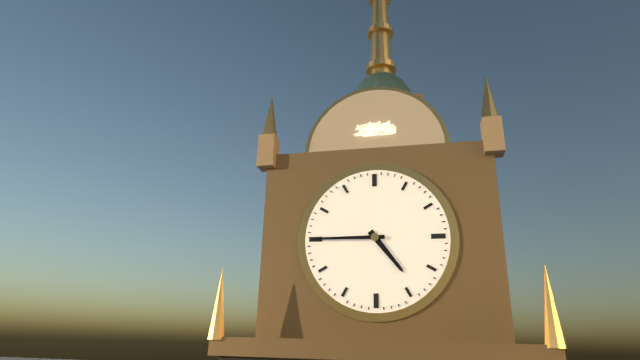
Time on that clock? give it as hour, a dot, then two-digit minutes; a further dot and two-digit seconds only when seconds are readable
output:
4.45
